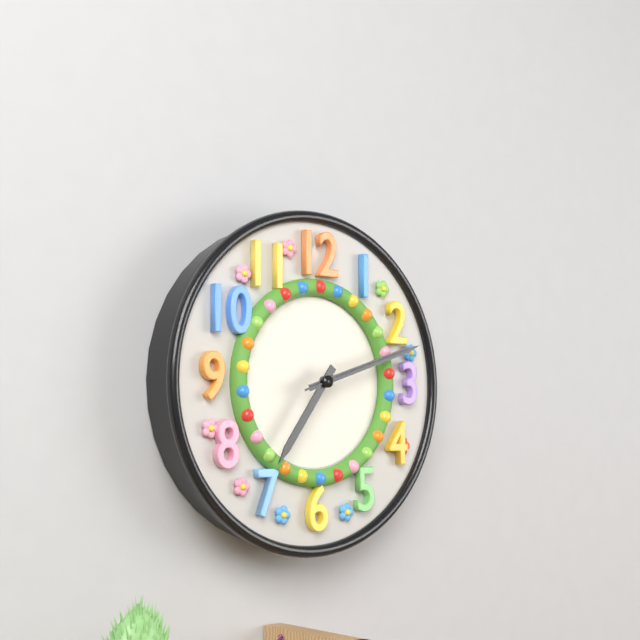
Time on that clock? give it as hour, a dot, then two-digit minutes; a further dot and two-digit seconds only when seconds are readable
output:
7.12.12
